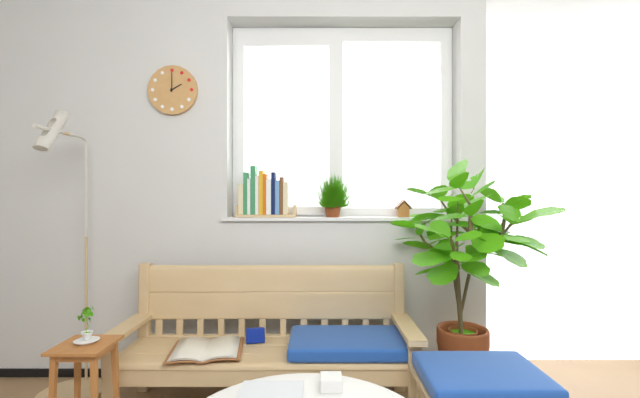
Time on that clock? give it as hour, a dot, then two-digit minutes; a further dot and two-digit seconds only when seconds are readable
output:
2.00
